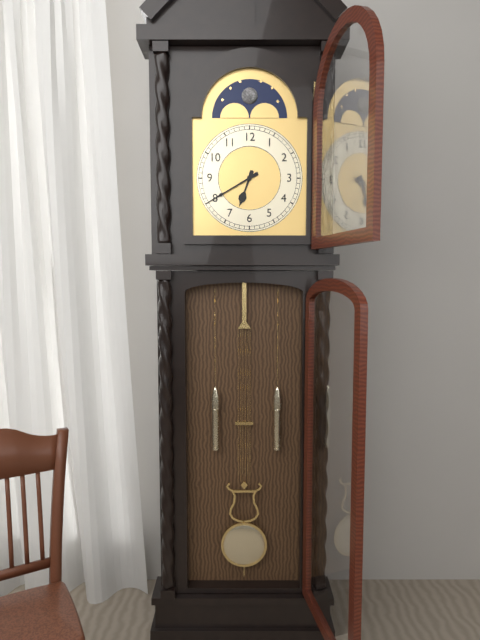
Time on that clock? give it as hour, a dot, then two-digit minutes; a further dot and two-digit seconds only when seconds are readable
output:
6.40
